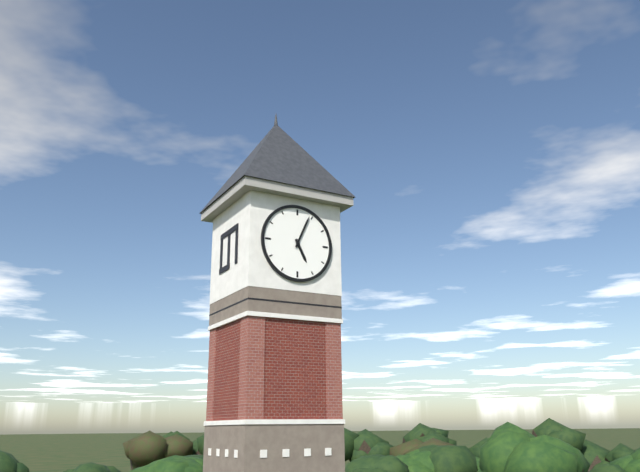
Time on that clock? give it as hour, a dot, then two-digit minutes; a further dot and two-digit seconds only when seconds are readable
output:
5.04
